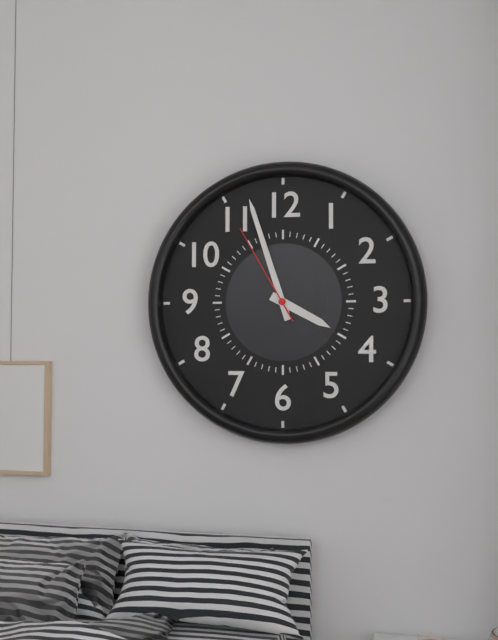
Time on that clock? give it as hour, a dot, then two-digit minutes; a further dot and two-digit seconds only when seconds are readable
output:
3.57.55
